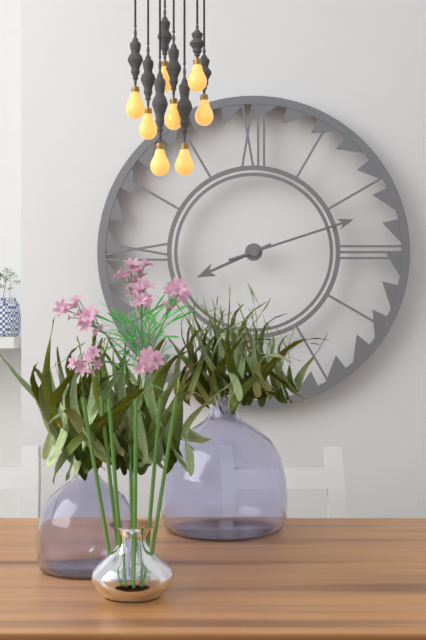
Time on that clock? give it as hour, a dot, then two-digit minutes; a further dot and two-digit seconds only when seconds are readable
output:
8.12
